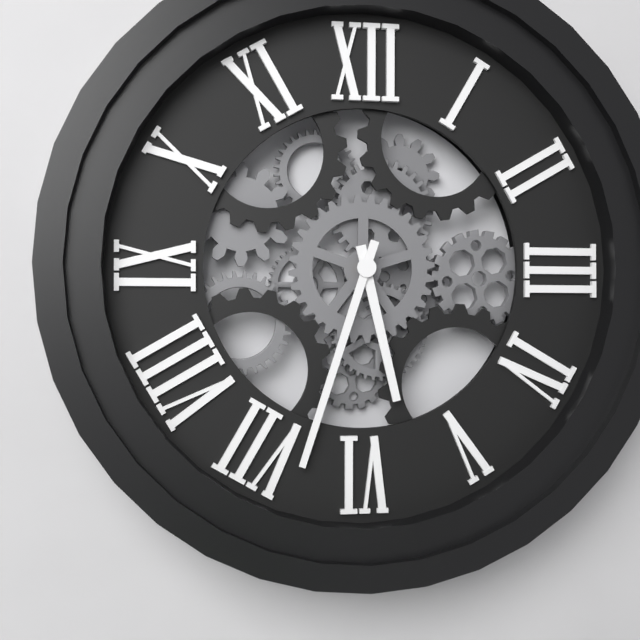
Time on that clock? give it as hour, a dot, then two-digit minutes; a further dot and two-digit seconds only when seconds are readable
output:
5.33
